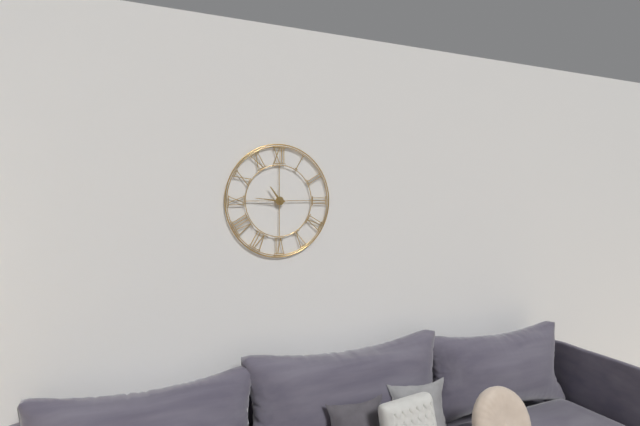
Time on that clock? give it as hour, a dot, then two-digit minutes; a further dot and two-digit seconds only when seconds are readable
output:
10.46
